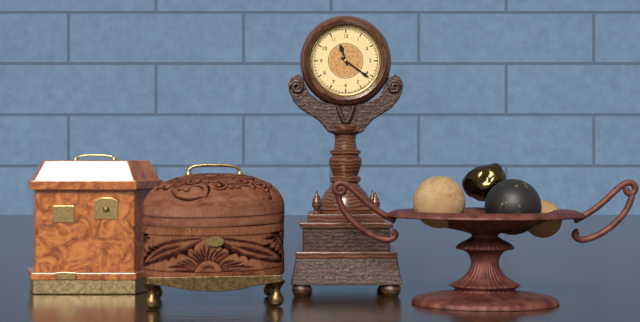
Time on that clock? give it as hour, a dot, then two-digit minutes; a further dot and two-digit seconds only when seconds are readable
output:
11.21
